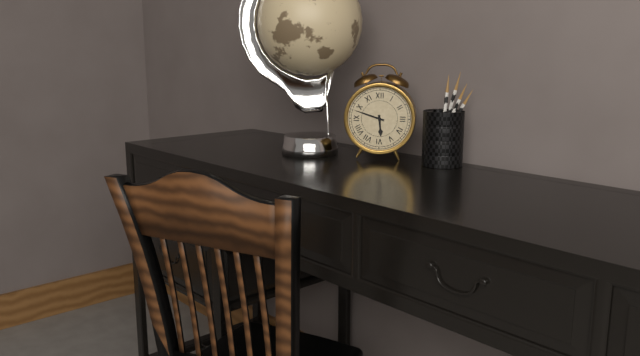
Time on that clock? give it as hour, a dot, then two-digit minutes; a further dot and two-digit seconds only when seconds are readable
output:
5.48
